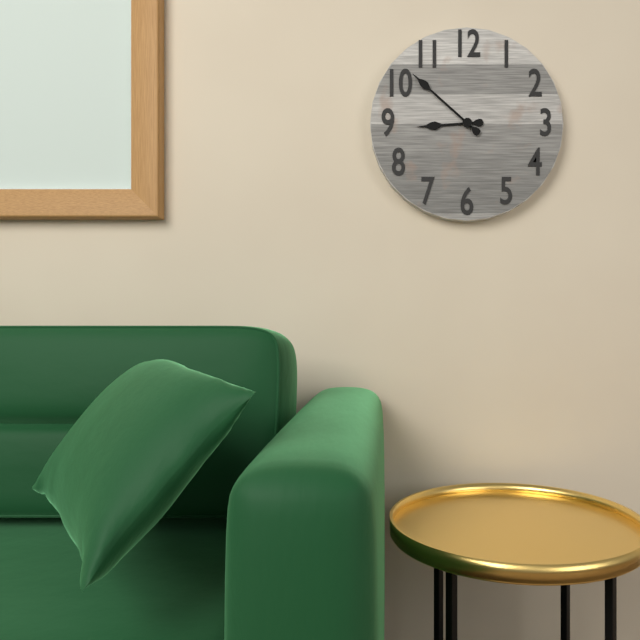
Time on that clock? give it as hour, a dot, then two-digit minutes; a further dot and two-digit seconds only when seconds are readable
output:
8.52
